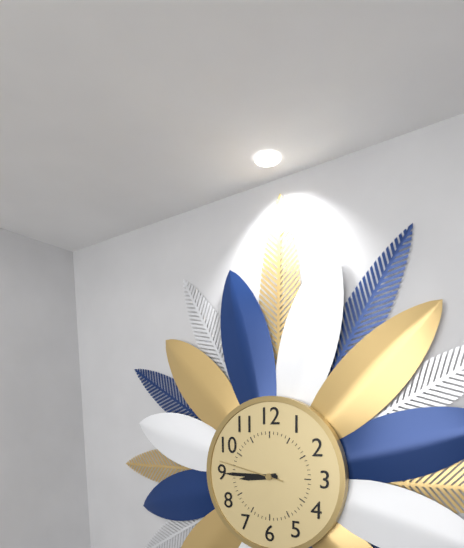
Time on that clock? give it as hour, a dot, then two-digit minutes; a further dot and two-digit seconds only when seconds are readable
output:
8.45.47
